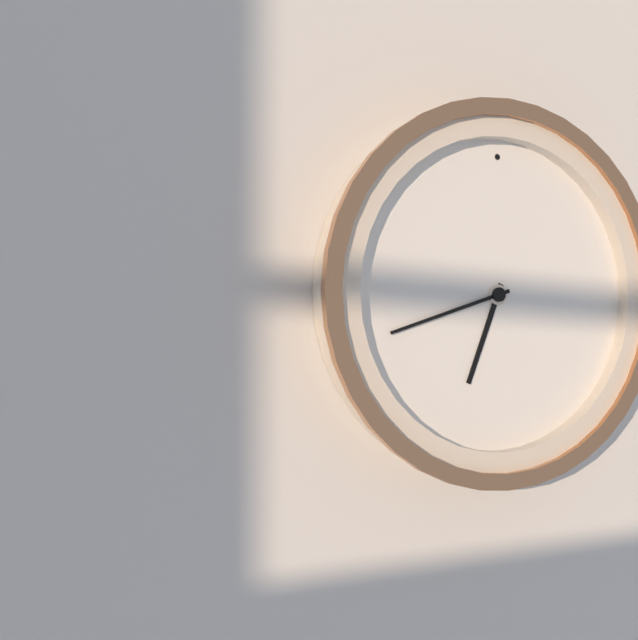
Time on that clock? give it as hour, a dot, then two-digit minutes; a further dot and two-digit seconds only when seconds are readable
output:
6.42
